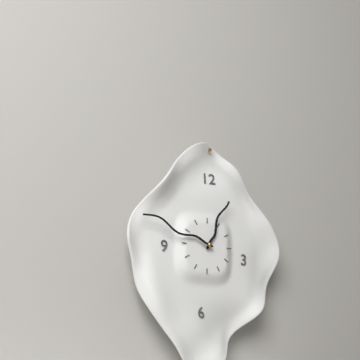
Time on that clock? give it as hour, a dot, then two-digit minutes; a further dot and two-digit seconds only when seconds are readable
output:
12.48
